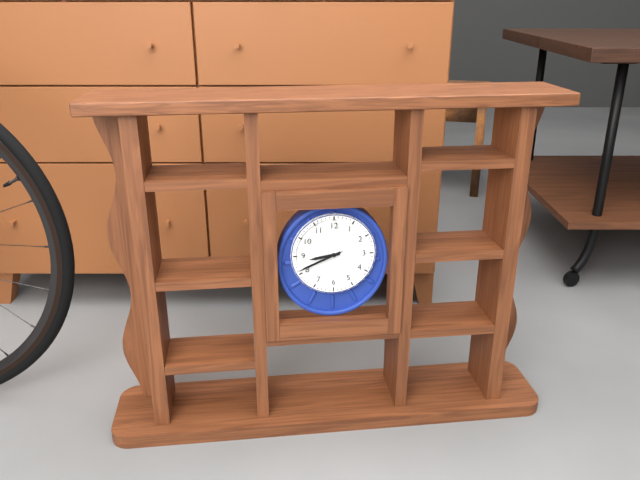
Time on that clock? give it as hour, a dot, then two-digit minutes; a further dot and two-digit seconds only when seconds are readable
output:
8.41
